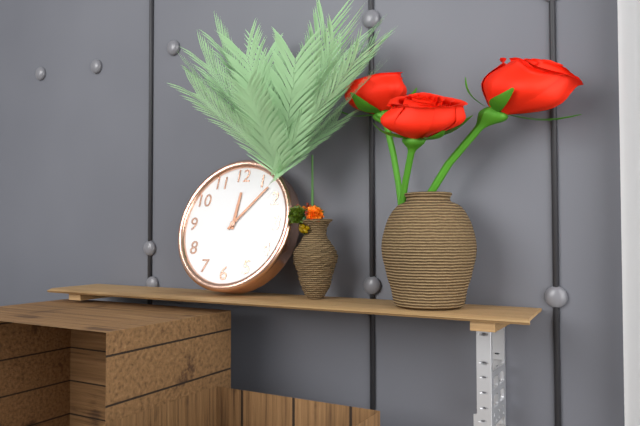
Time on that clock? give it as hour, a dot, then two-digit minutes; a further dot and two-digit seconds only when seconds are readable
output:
12.07
